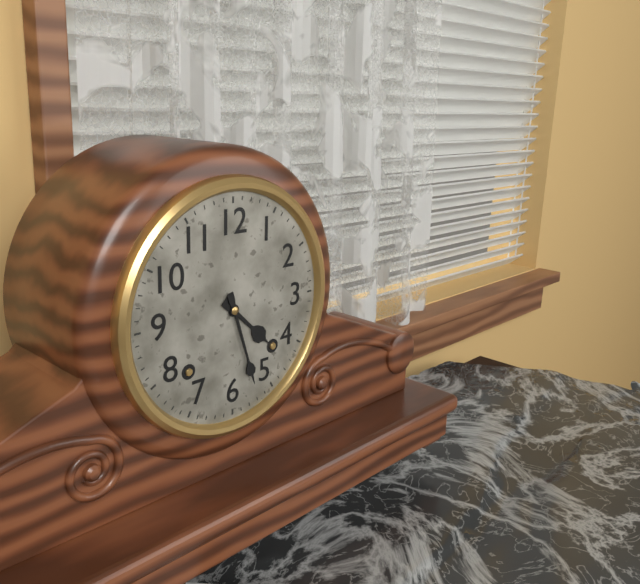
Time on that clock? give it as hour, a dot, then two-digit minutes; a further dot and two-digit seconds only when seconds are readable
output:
4.27
